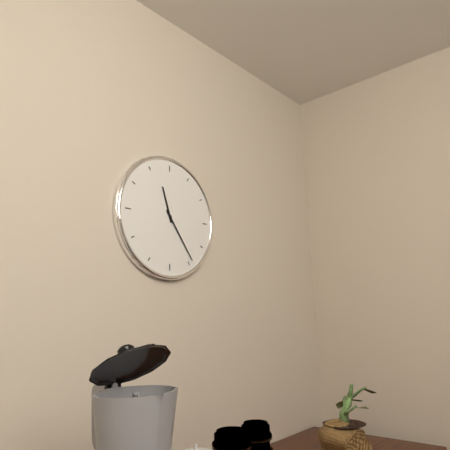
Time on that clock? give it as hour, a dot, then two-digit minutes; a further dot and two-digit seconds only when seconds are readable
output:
11.24
